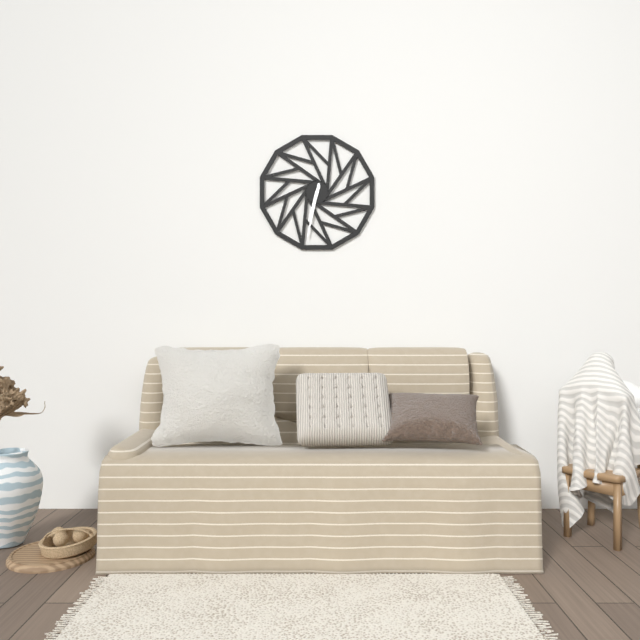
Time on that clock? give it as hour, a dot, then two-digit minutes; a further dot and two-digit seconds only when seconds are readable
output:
6.32
